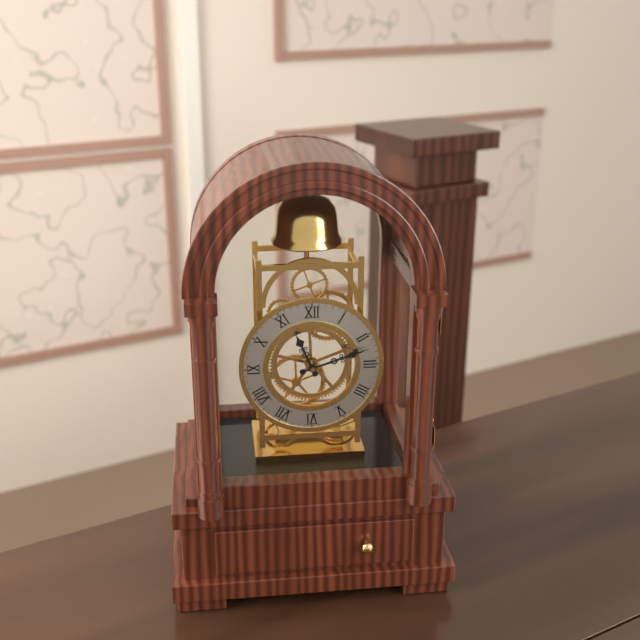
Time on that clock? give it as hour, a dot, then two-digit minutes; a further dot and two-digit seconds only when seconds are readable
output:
11.12
